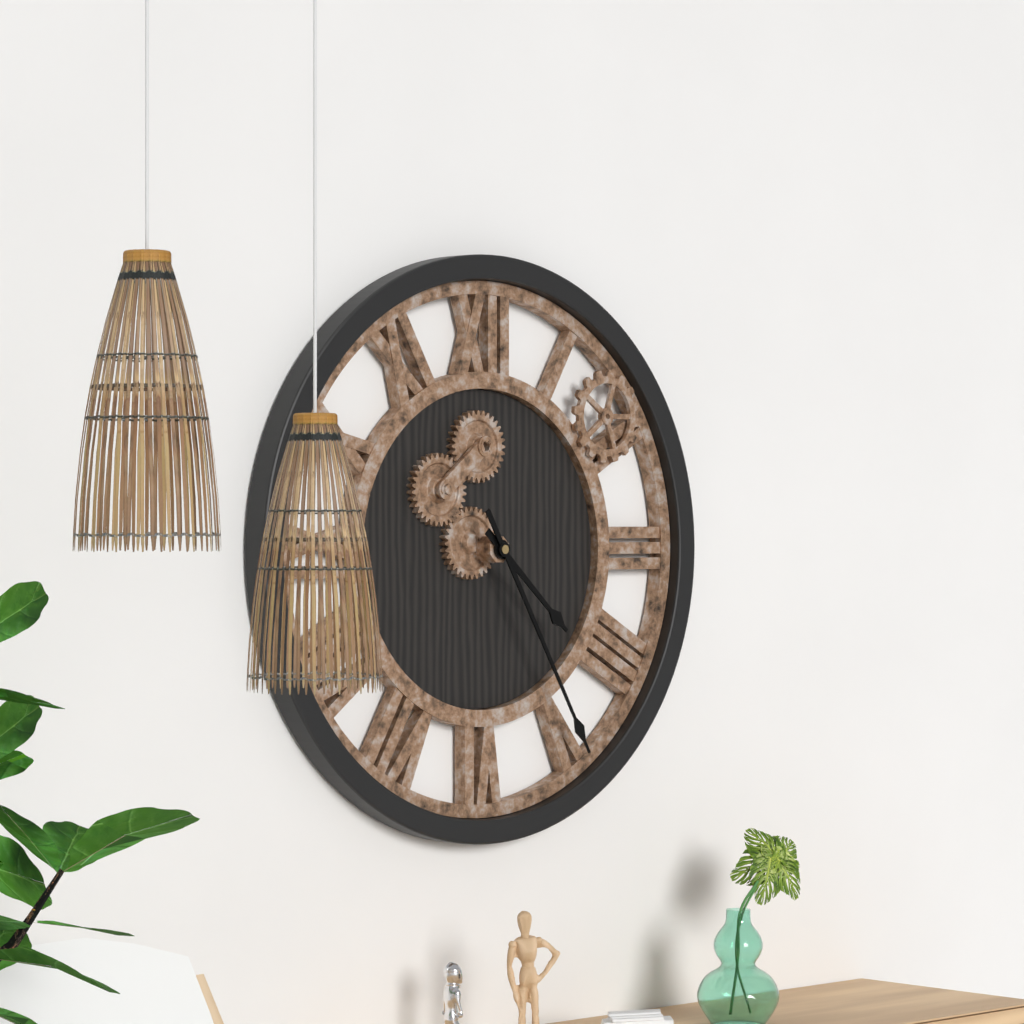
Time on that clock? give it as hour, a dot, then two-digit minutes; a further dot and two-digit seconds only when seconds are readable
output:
4.25
